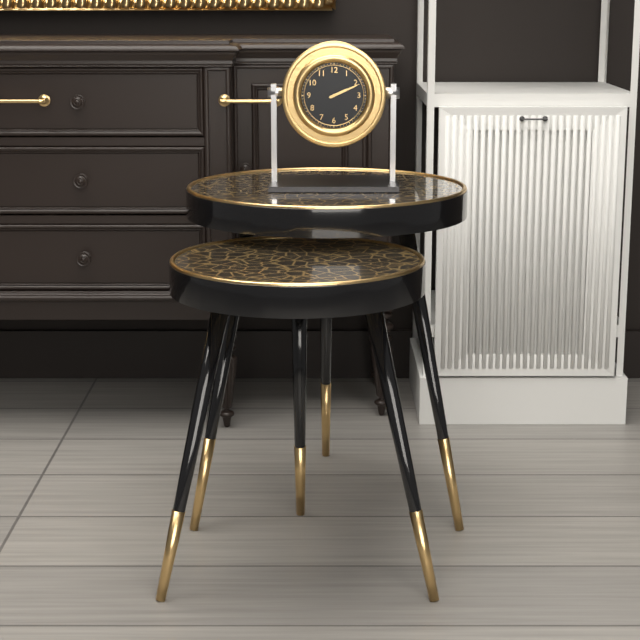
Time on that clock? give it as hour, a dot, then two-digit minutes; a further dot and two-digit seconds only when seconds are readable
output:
2.11
